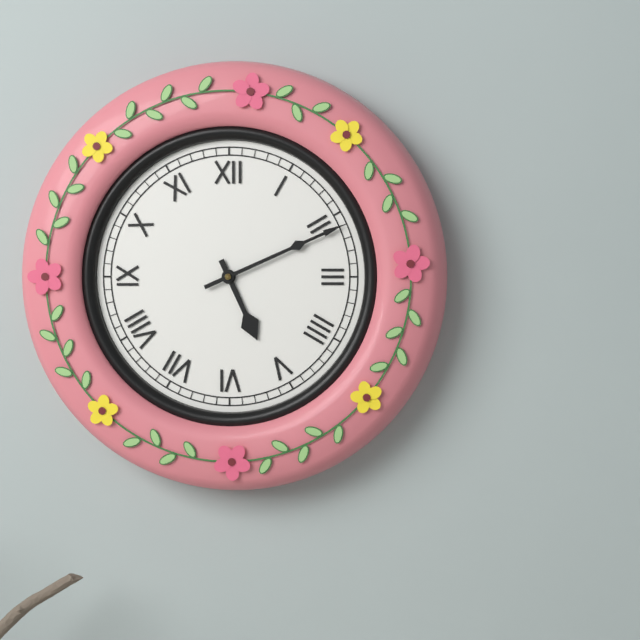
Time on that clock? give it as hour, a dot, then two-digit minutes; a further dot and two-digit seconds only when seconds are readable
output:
5.11
